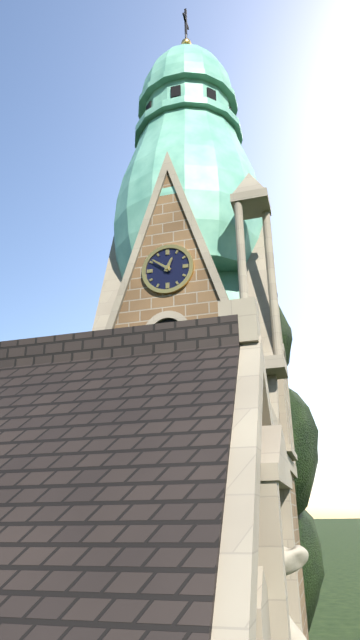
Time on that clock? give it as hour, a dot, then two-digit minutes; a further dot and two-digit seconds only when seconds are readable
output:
12.51
